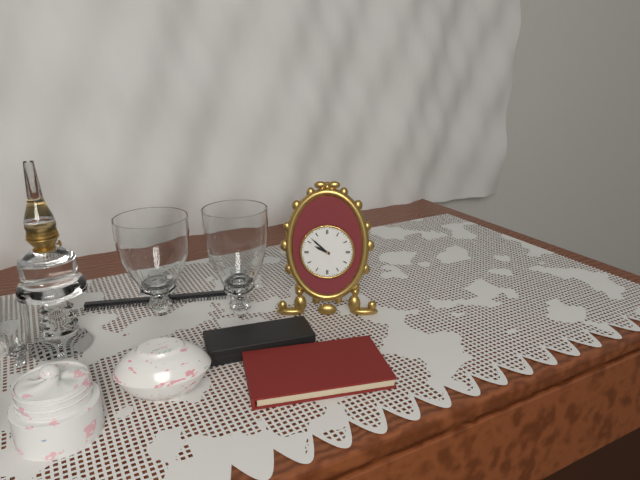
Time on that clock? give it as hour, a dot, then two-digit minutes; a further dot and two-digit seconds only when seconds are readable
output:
9.52
